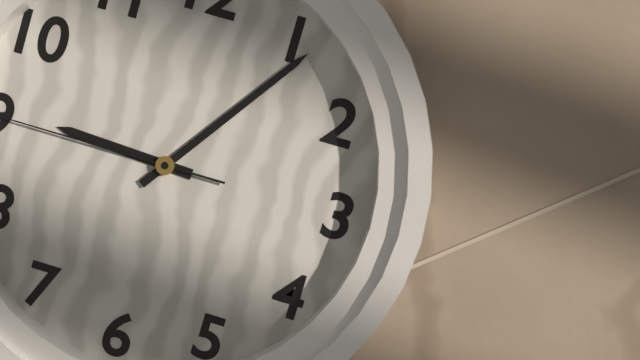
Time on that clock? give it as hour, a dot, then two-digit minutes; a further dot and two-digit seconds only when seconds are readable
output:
9.06.45
